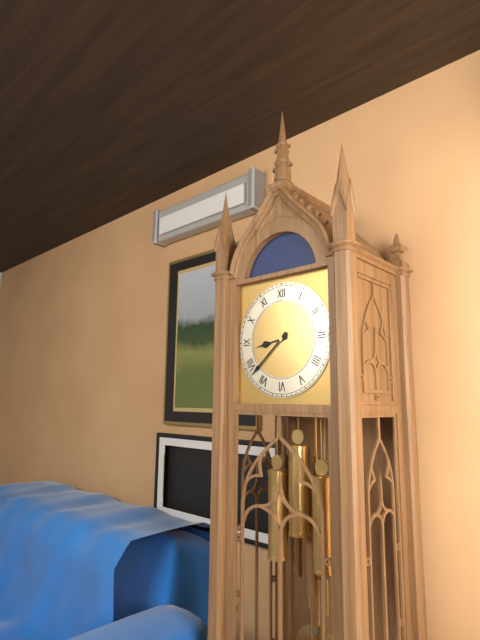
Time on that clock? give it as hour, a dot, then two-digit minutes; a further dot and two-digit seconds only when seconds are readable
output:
8.38
